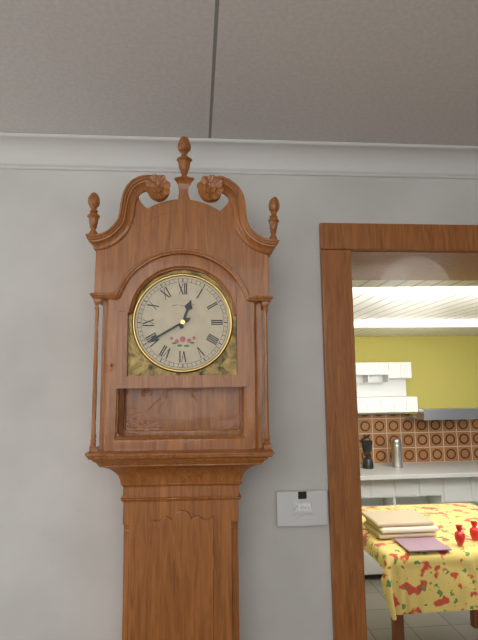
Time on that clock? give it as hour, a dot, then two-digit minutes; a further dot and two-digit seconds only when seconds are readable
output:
12.40
